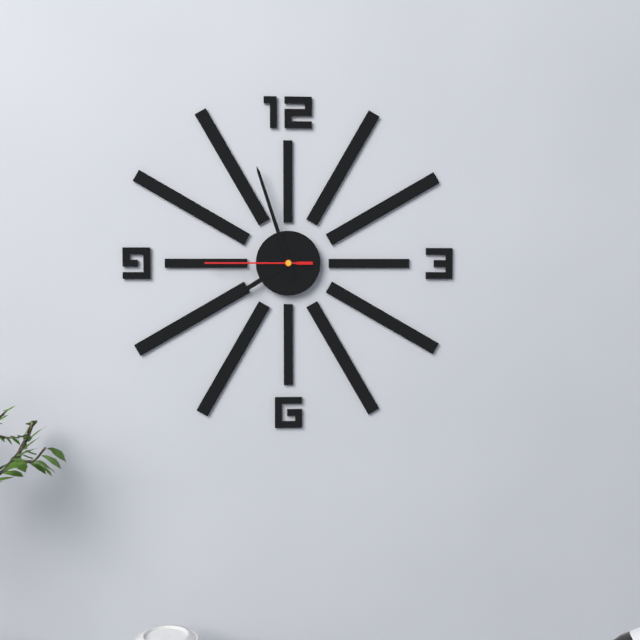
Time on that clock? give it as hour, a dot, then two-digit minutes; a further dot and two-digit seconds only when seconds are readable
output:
7.57.45
